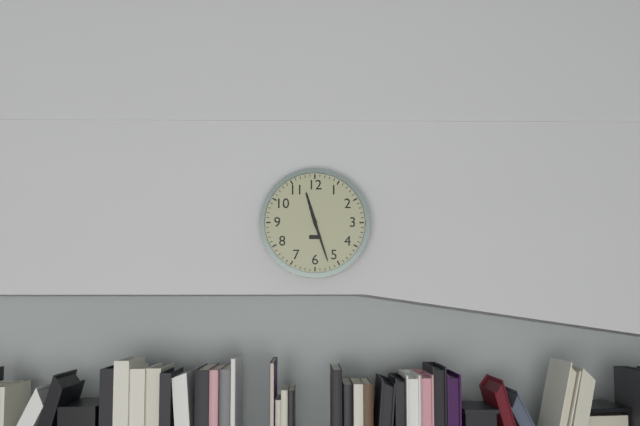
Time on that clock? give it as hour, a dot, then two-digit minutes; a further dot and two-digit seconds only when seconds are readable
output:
11.27
